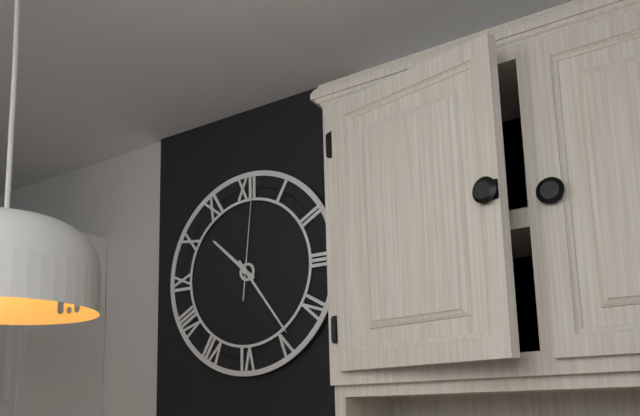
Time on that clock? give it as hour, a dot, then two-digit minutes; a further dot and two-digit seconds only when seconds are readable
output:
10.24.01
